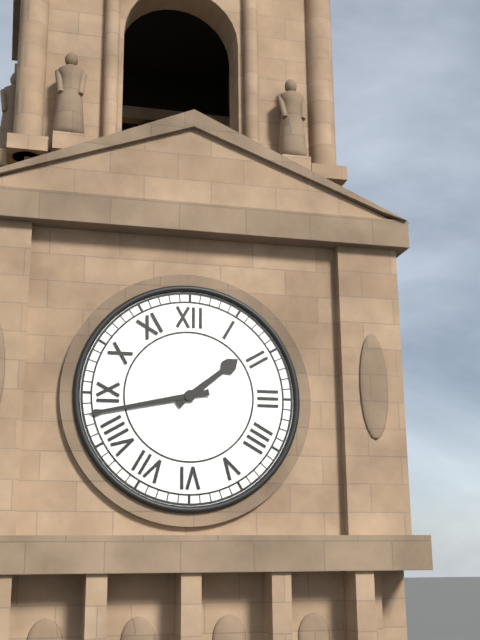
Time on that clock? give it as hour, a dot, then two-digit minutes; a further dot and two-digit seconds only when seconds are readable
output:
1.43
